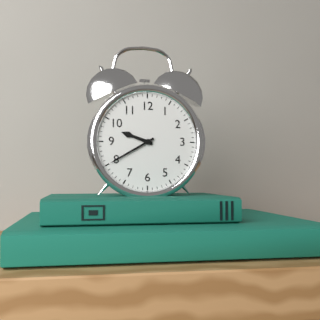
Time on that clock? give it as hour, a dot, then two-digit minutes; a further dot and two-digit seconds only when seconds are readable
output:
9.40
